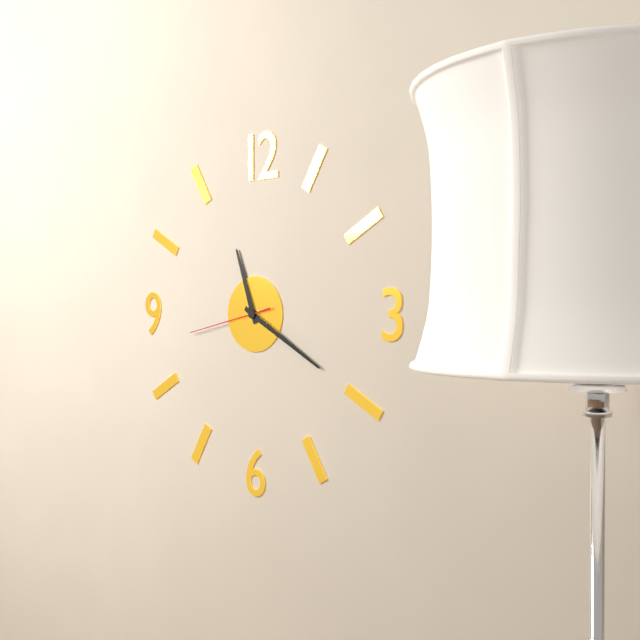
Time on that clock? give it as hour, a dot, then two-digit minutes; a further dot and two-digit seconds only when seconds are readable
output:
11.20.43
